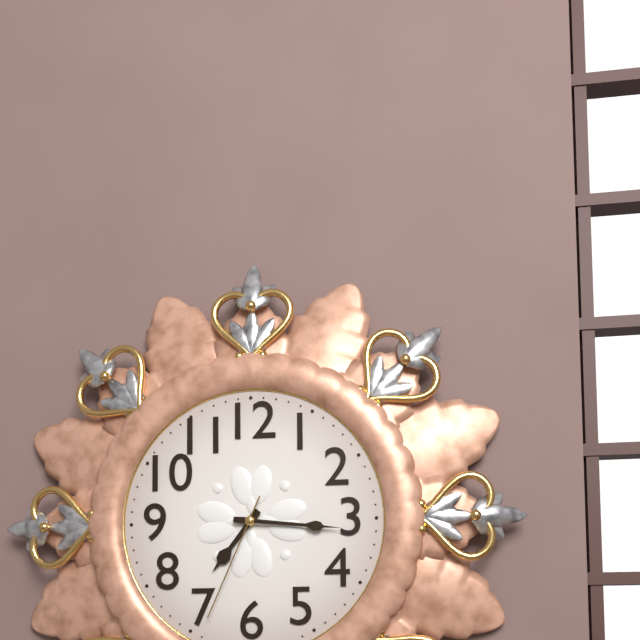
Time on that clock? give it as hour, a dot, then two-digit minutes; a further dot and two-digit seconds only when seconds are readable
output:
7.16.34
